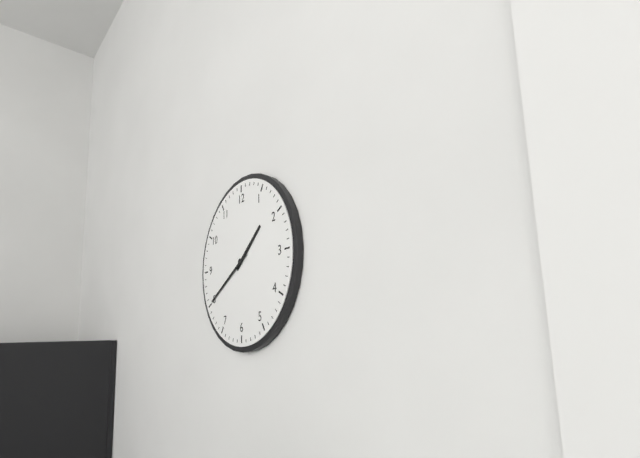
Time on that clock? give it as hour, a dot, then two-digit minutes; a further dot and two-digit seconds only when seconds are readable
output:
1.40
